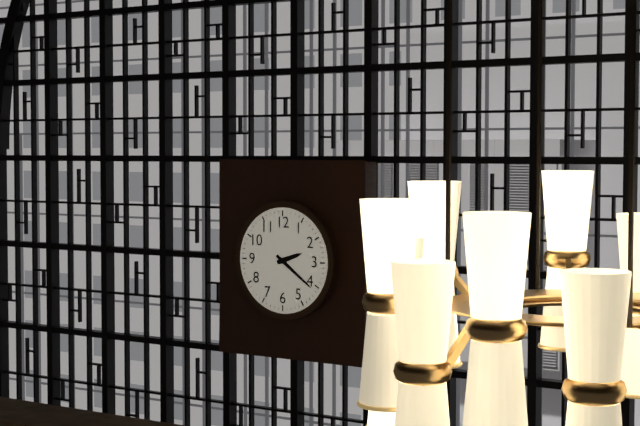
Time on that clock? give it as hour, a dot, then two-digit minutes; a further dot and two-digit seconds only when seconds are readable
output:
2.21
